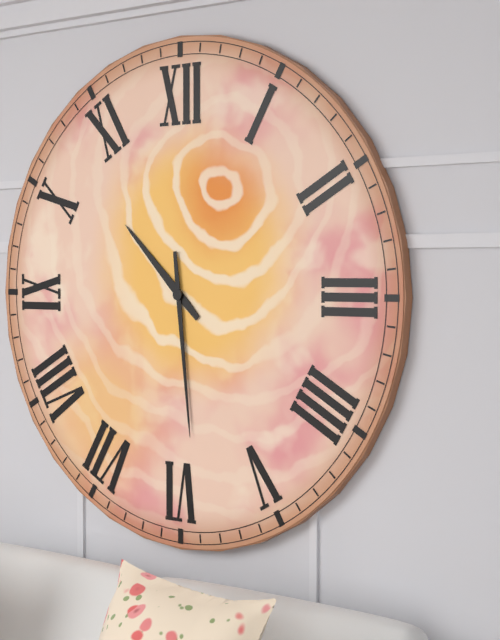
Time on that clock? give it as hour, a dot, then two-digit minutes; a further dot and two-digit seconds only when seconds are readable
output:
10.29
